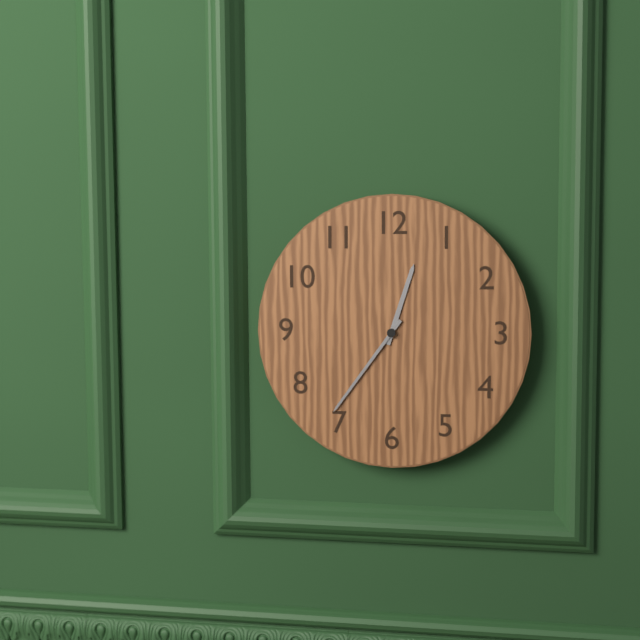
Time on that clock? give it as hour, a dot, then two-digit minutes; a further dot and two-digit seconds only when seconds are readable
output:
12.36
